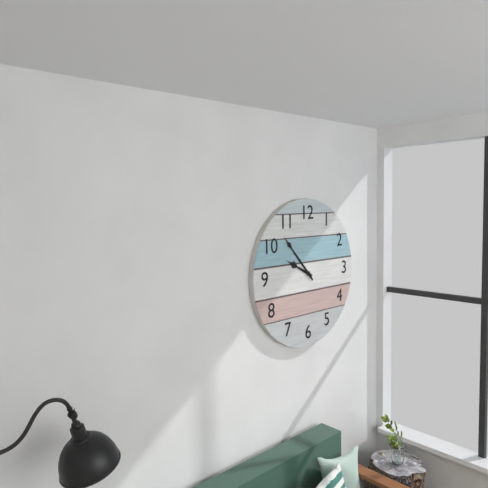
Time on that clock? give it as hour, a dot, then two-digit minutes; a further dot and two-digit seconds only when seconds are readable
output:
9.53
